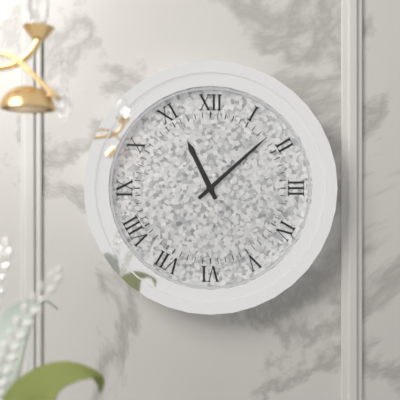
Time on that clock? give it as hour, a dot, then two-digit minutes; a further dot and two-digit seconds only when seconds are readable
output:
11.08
